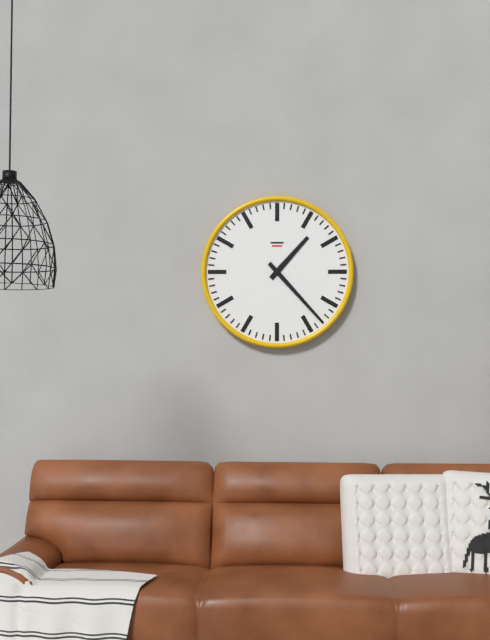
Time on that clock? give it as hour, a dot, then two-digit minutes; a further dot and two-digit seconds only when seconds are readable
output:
1.23
